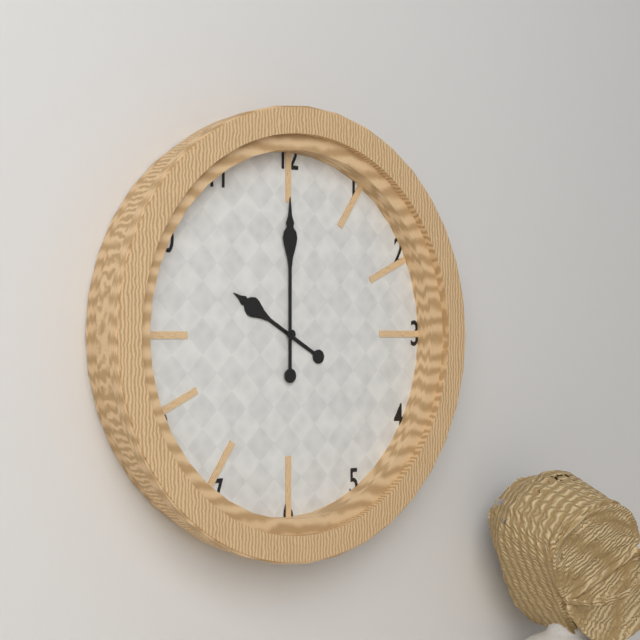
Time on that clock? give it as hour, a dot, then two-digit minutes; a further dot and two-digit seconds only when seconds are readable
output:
10.00
